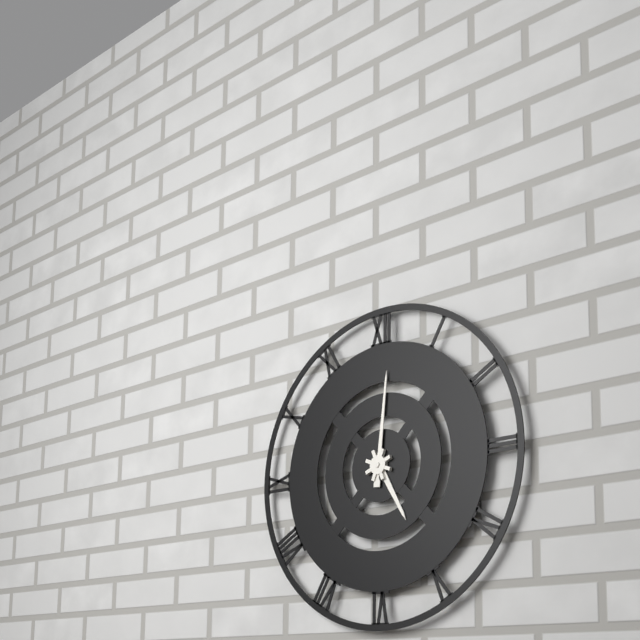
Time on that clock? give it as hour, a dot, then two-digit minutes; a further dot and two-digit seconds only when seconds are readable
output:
5.01
